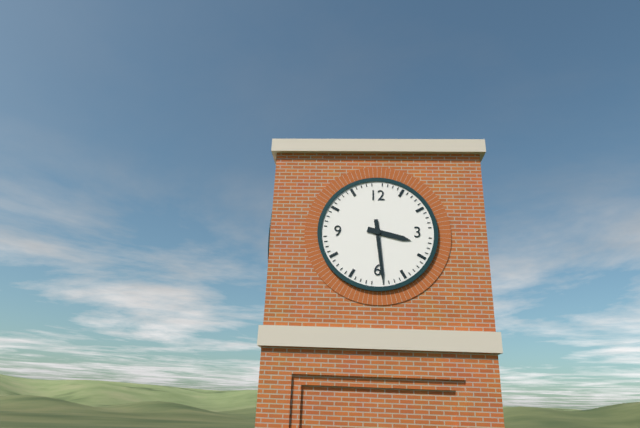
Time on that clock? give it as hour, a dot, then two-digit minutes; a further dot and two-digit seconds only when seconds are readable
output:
3.29
